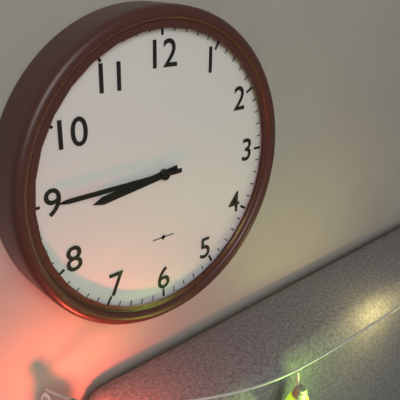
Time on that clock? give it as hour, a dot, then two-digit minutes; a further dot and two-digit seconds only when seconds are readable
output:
8.45
